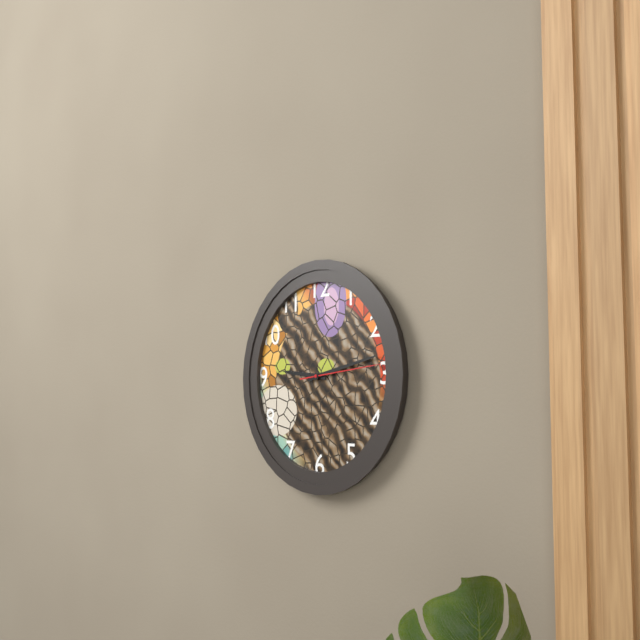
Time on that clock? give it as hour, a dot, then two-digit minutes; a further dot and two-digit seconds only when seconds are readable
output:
9.13.14
